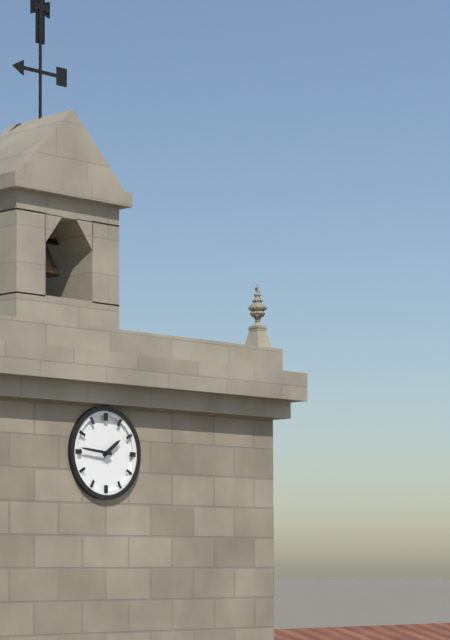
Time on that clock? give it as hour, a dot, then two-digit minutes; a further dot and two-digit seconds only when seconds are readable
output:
1.46
